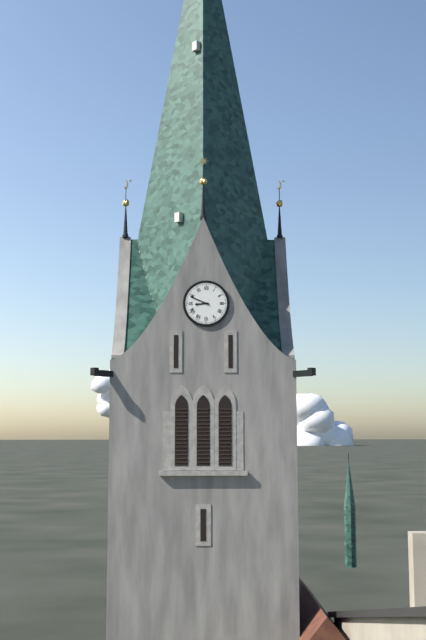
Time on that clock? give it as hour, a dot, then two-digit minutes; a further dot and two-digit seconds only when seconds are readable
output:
8.49
